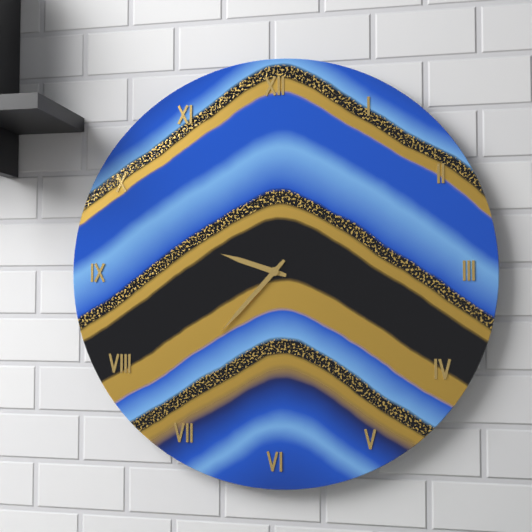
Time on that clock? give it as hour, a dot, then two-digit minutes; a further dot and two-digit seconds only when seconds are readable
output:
9.37
